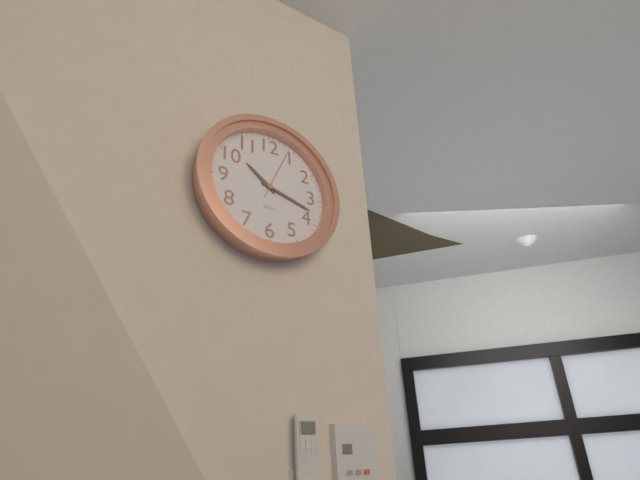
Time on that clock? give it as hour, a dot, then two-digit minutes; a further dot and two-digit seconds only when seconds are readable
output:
10.18
